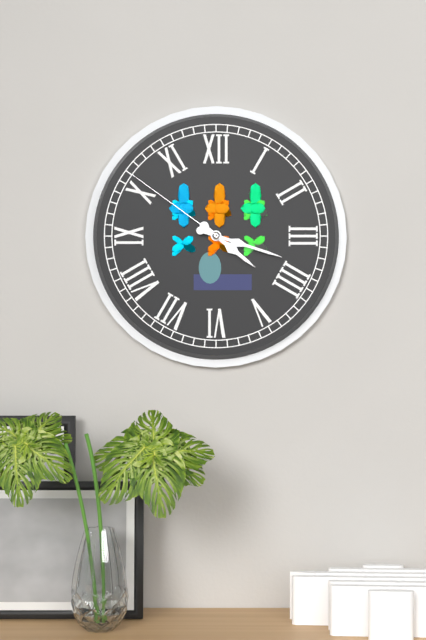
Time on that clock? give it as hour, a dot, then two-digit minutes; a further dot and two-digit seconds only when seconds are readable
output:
4.18.51
